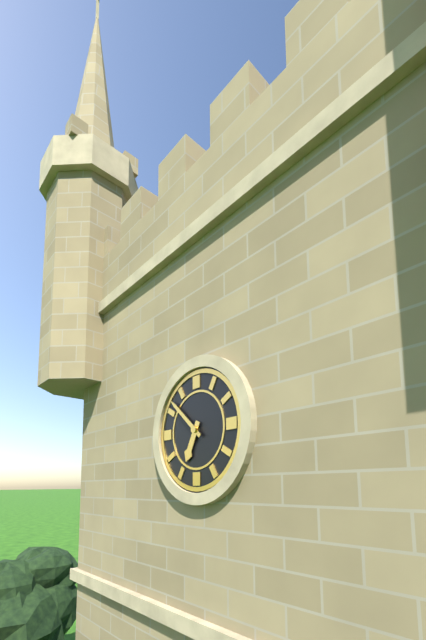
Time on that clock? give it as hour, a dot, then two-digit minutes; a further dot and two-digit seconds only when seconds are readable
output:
6.52
